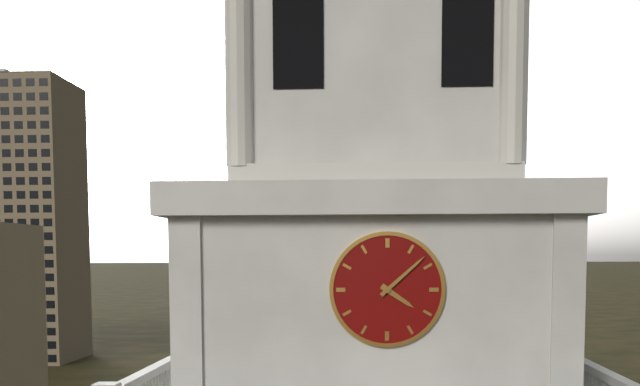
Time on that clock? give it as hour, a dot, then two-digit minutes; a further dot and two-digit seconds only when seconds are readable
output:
4.08
